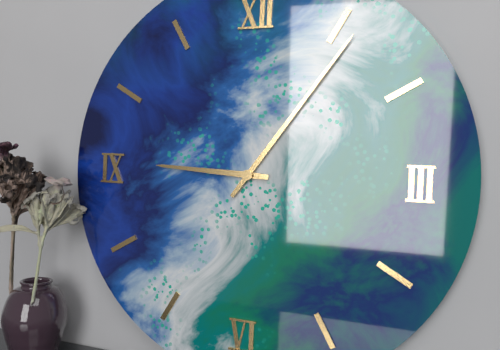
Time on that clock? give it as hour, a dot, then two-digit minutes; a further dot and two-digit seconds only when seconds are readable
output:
9.06
